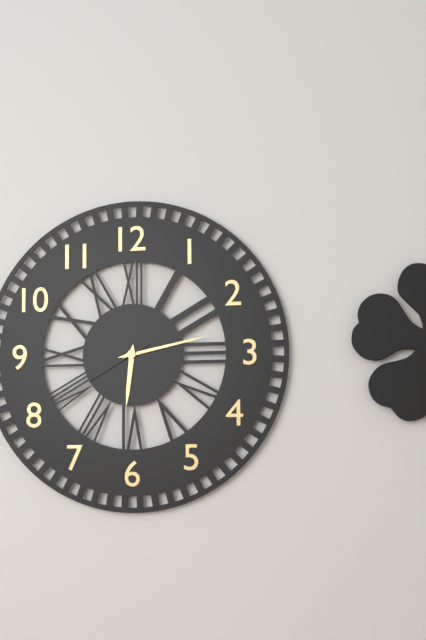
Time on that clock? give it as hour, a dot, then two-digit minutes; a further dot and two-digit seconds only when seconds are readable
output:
6.13.40
